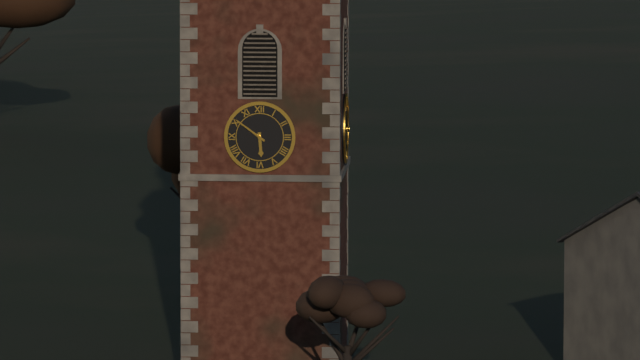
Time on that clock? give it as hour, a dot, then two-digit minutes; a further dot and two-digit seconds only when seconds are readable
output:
5.51
